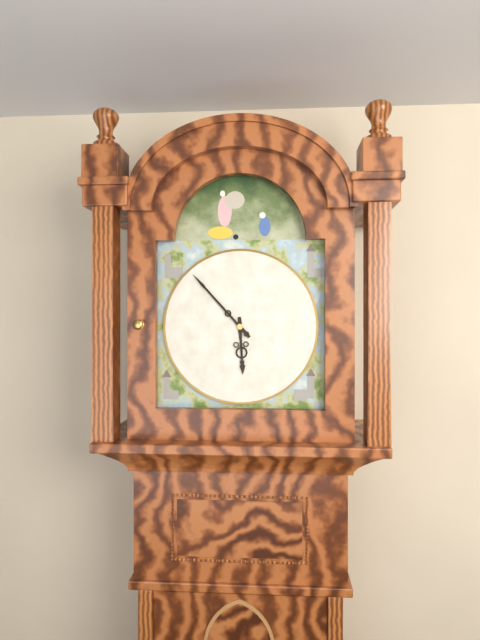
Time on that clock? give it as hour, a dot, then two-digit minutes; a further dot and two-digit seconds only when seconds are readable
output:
5.53
